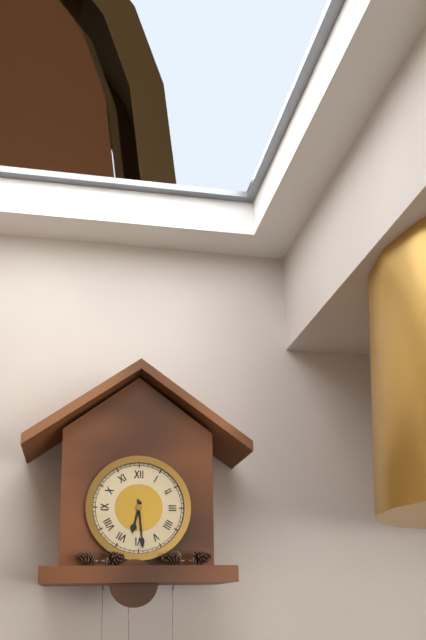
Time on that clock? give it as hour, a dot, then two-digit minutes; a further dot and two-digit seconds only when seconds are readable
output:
6.29
